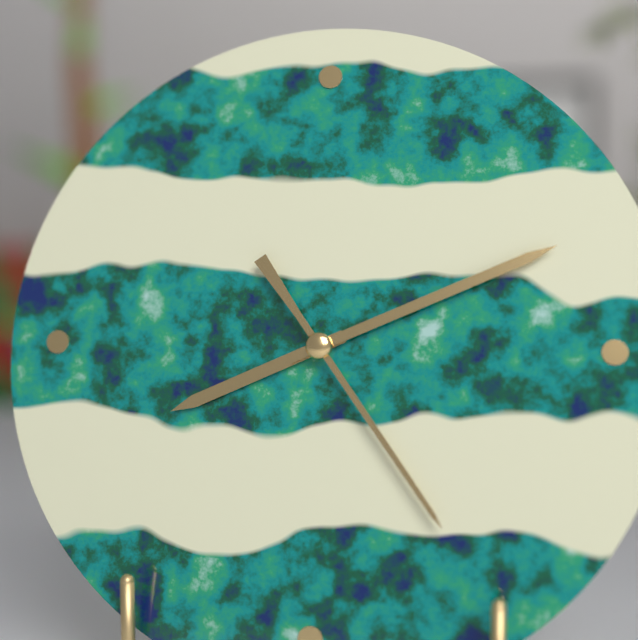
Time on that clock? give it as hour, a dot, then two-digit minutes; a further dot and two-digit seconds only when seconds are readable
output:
8.11.24
